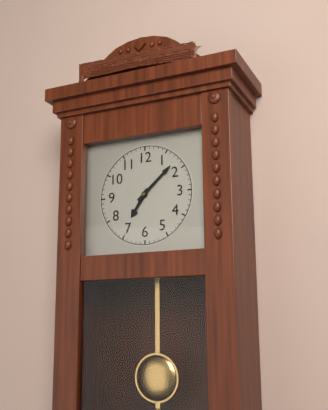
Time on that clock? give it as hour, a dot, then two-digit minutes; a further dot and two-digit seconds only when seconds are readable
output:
7.08
